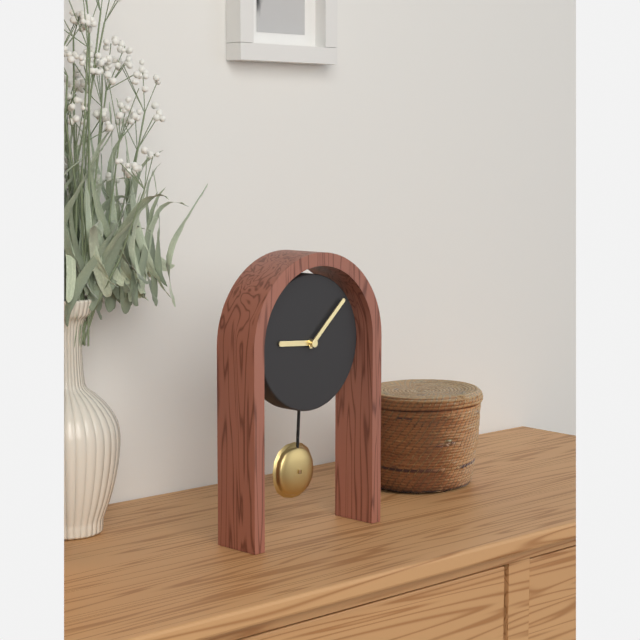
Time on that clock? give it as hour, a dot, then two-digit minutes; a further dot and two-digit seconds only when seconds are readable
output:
9.08
